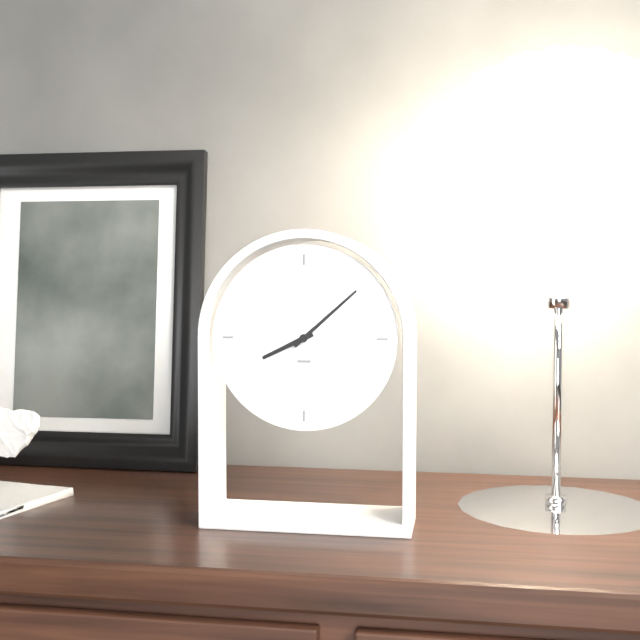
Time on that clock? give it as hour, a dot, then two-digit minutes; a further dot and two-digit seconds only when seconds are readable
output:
8.08
